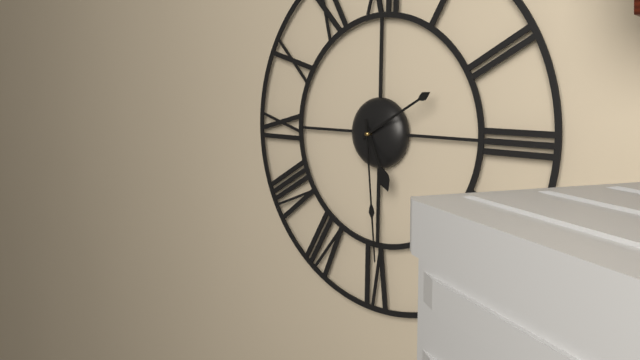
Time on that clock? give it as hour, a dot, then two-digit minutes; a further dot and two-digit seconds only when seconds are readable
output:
5.10.29
